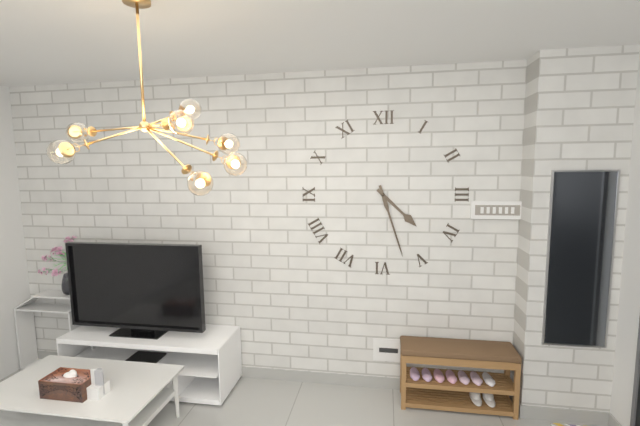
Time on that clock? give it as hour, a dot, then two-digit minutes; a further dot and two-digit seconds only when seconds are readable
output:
4.27
